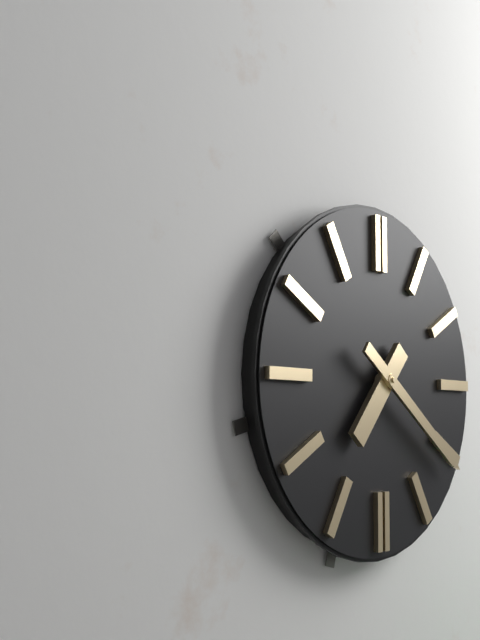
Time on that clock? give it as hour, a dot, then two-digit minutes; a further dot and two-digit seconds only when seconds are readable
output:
7.21
